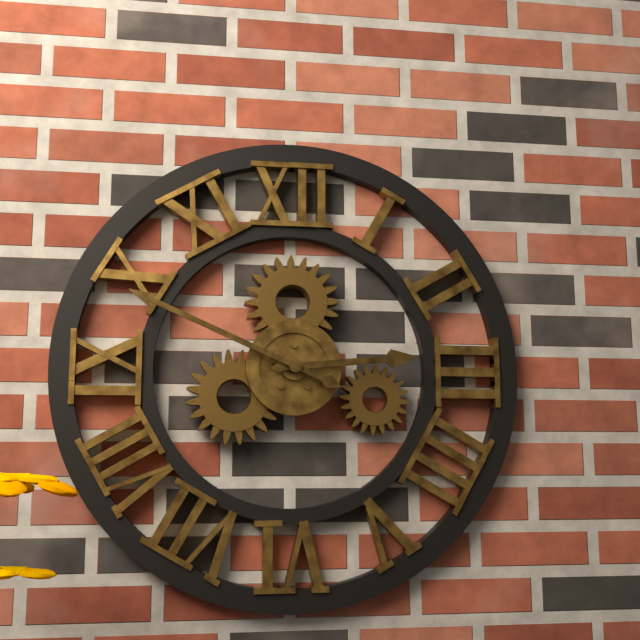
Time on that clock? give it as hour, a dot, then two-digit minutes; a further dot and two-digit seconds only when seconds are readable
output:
2.49
